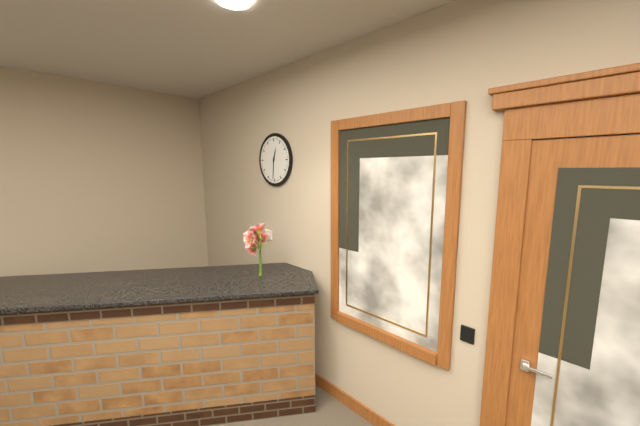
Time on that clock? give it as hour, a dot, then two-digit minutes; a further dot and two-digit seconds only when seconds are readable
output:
12.31
